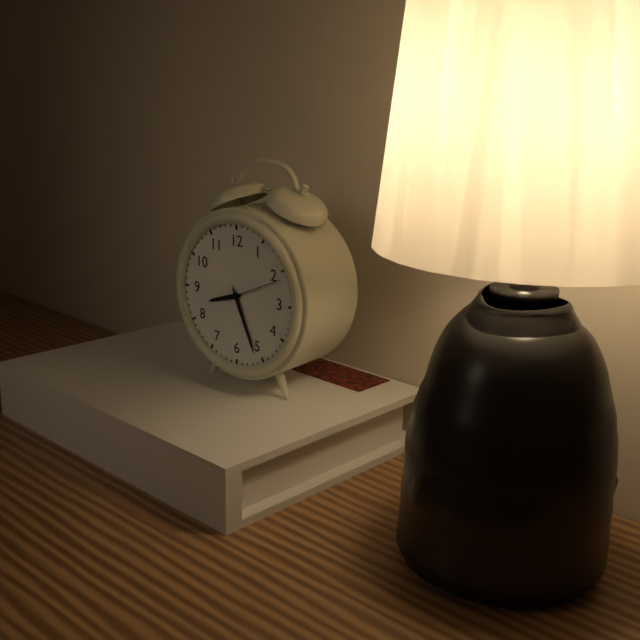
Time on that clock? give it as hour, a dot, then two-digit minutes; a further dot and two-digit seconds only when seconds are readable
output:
8.26.11
